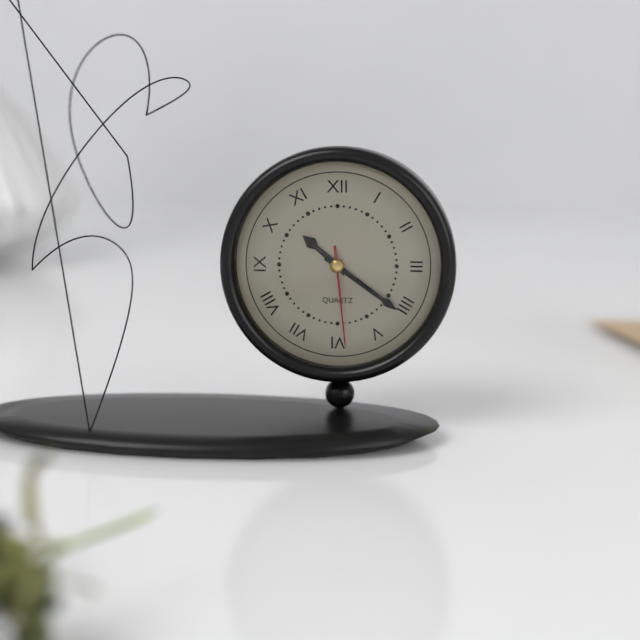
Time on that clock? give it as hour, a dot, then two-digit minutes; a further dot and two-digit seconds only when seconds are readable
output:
10.21.29
